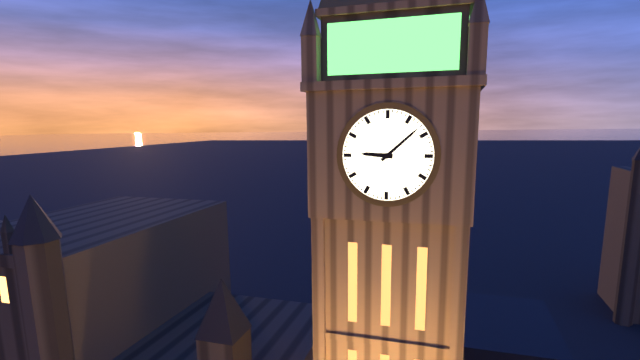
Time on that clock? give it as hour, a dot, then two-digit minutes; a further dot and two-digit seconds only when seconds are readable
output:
9.08
